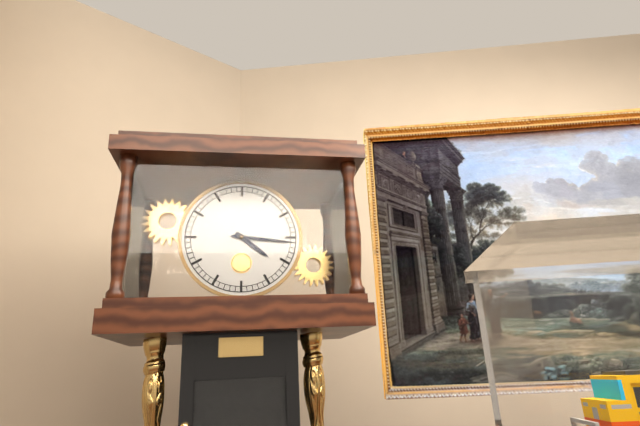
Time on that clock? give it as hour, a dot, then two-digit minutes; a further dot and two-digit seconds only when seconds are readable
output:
4.16
